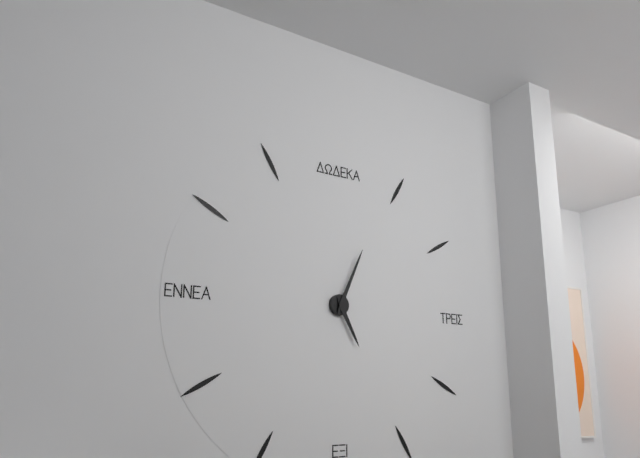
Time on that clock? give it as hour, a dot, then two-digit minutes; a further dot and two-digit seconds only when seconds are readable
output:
5.04
